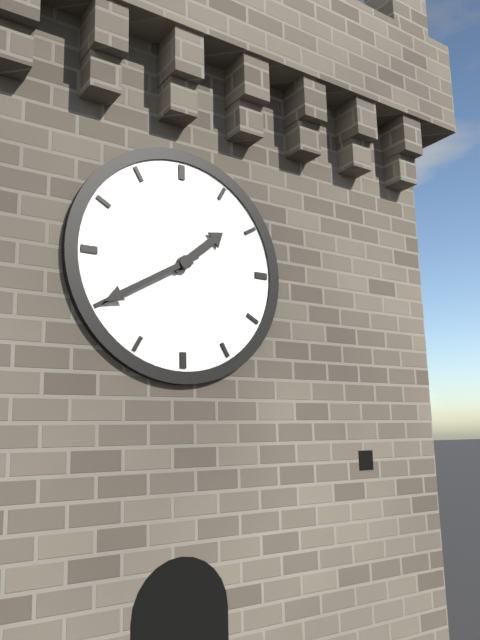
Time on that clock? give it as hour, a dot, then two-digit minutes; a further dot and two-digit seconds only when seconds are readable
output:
1.40
